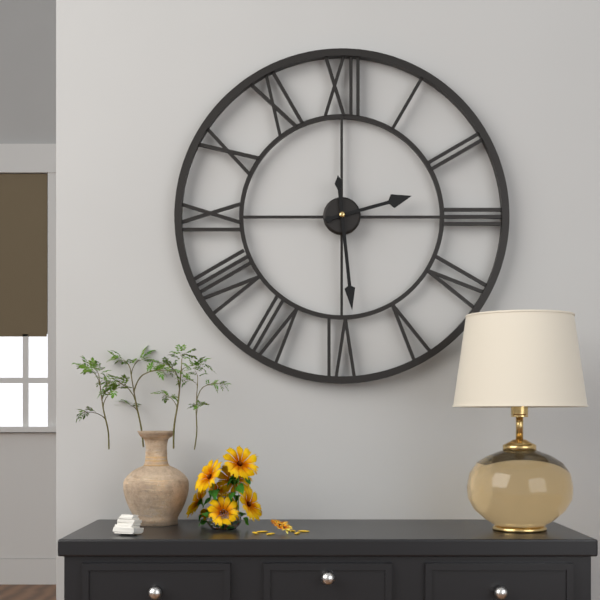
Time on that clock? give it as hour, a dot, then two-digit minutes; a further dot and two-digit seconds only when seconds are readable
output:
2.29
